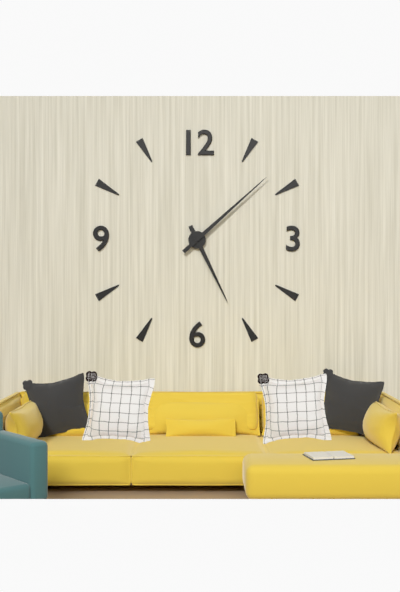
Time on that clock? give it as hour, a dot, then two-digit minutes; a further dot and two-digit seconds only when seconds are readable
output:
5.08
